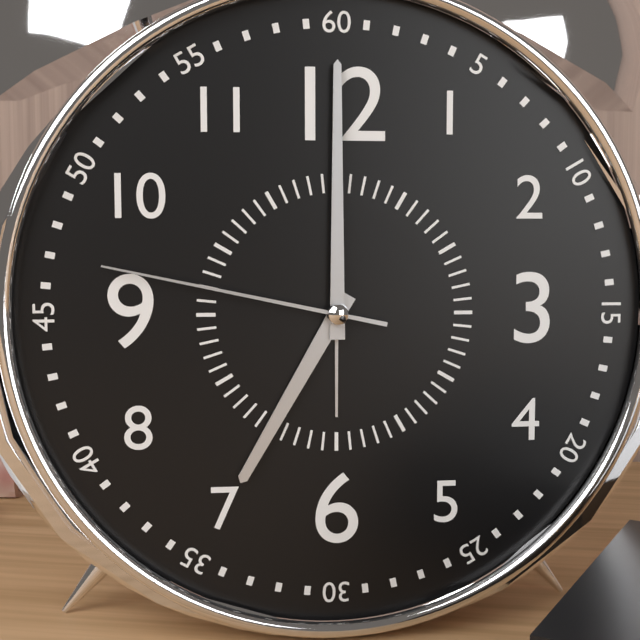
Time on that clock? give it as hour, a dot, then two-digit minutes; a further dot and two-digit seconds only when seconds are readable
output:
7.00.47
